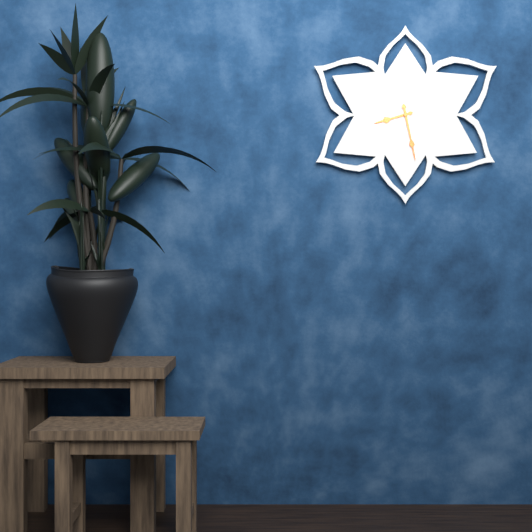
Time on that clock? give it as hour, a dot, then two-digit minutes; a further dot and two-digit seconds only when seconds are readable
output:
8.28
